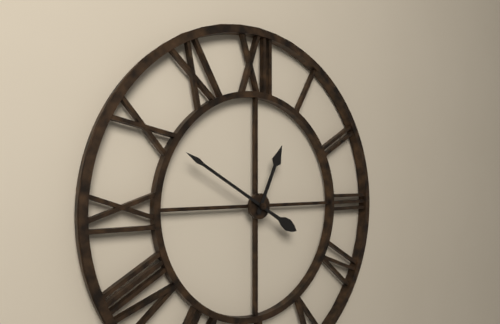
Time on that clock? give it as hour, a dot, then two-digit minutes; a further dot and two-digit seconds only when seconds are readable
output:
12.50
